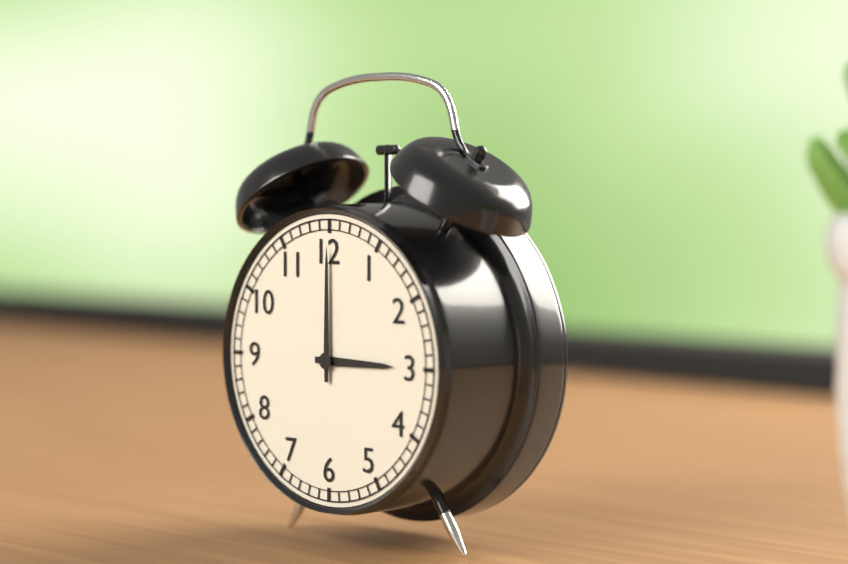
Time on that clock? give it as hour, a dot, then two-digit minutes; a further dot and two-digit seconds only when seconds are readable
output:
3.00
